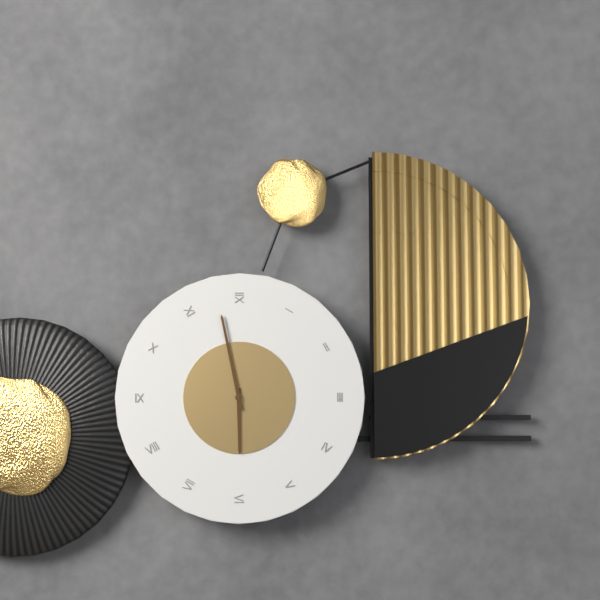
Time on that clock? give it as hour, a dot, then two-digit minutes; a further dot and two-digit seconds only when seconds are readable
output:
5.58
